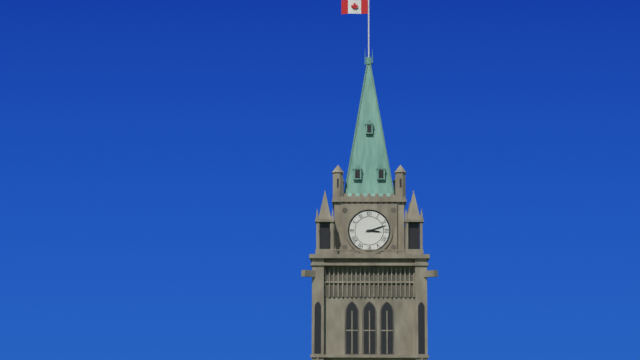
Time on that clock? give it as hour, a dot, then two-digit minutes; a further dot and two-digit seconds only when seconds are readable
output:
3.12
